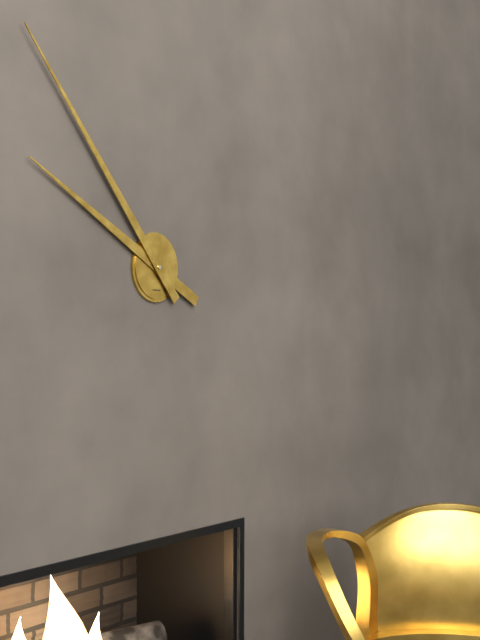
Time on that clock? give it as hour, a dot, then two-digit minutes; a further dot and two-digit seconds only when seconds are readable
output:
9.53
